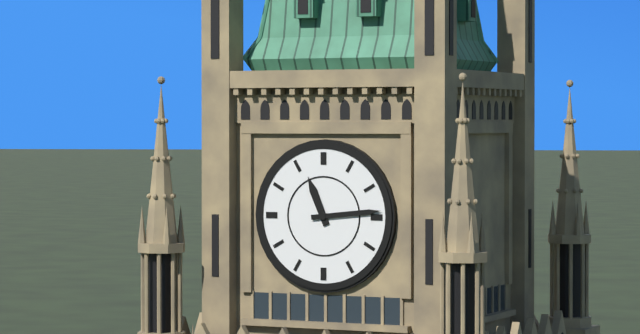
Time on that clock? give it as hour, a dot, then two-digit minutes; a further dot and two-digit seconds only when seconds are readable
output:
11.14
